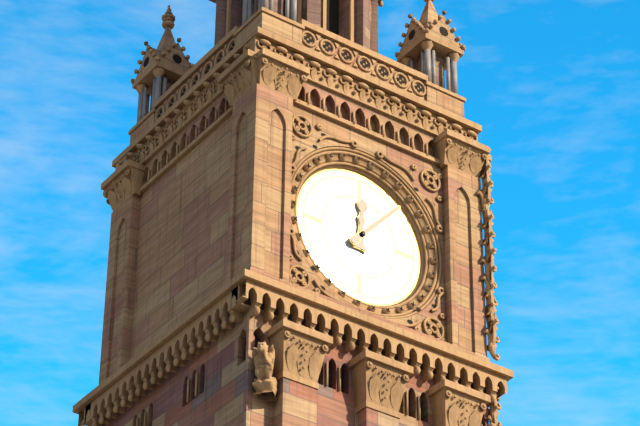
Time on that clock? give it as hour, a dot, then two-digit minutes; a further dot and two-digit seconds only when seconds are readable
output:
12.07
